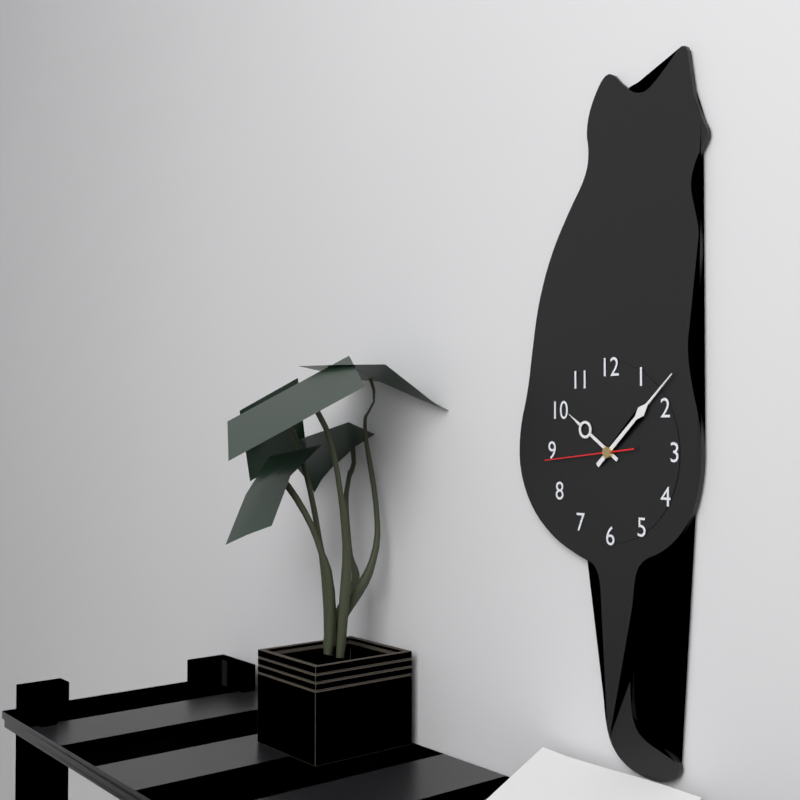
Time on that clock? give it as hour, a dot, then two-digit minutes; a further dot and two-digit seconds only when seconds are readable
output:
10.08.44
